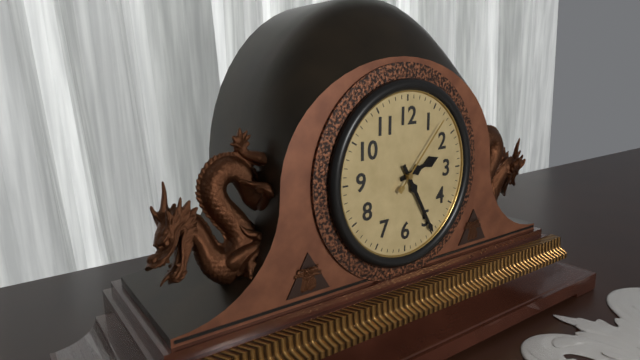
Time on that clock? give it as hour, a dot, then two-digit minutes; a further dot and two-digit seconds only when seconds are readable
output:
2.25.07
